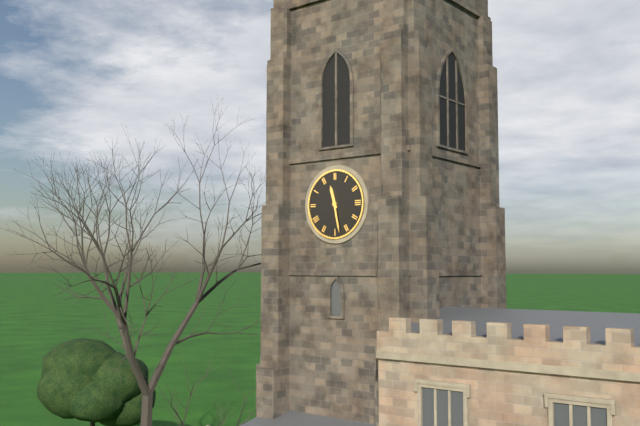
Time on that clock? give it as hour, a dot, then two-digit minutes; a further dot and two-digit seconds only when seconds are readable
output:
11.28
